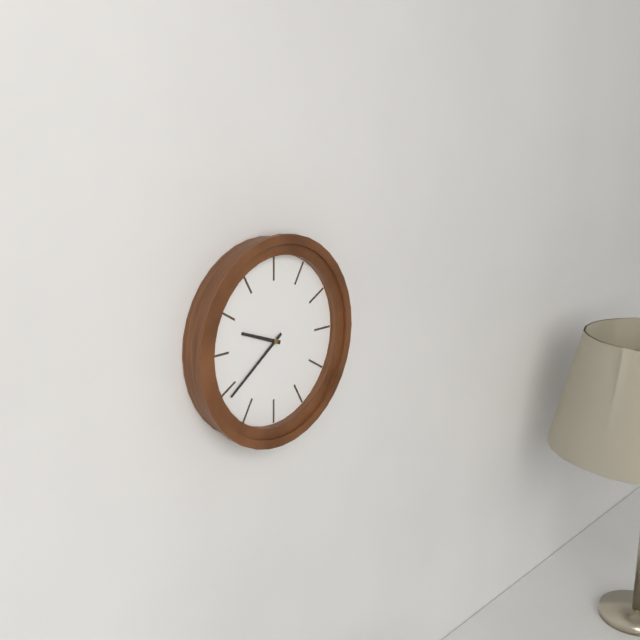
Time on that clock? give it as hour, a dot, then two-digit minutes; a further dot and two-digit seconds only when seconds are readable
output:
9.39
